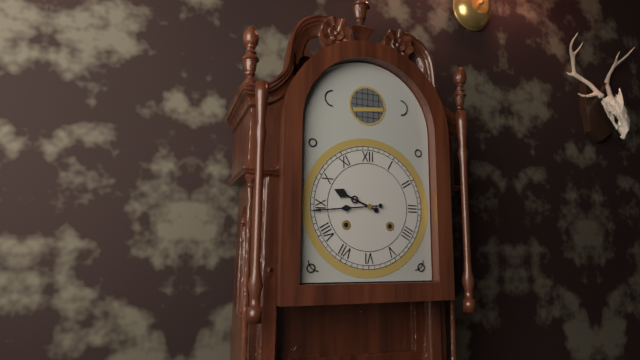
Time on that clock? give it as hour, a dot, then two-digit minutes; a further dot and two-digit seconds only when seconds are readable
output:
9.44
